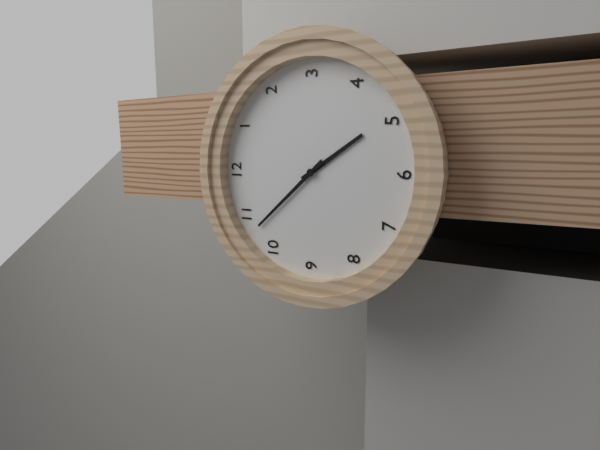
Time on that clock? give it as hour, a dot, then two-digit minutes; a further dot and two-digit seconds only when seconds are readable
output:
4.53
